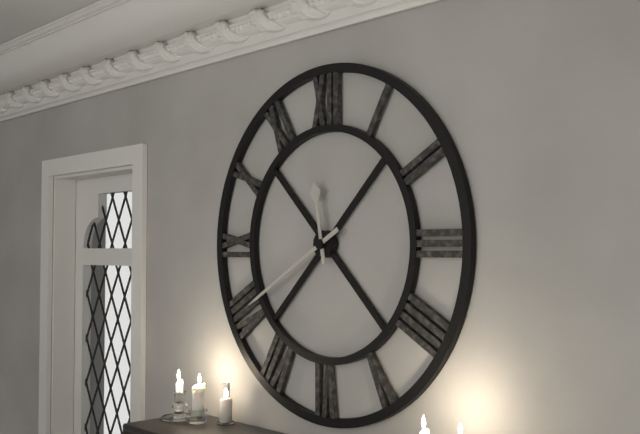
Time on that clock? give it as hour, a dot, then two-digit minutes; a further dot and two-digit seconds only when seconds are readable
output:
11.40
